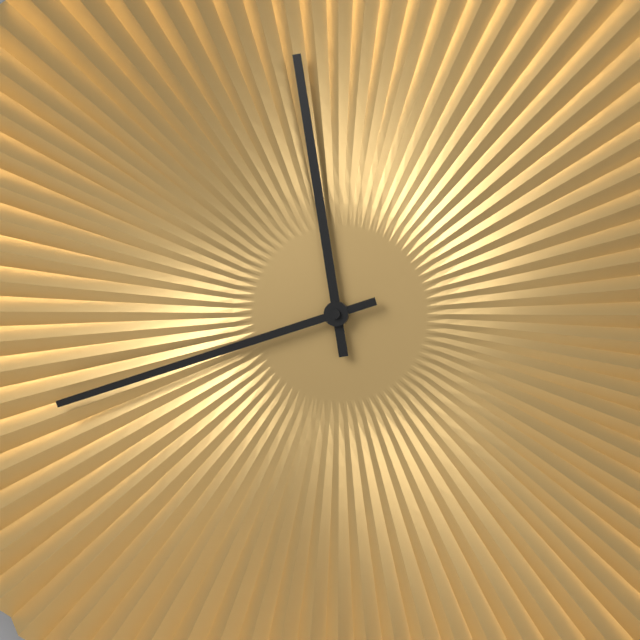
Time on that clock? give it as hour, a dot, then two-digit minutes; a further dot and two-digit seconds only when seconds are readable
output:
11.42
